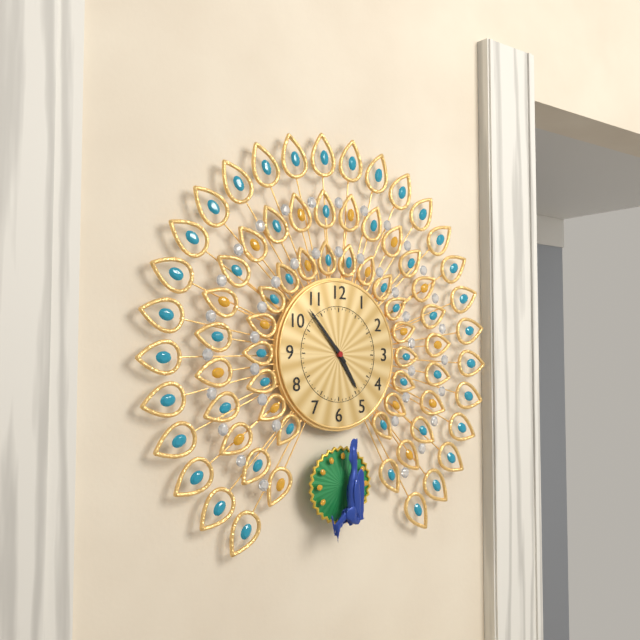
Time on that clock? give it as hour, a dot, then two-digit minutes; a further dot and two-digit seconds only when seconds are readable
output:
4.53
